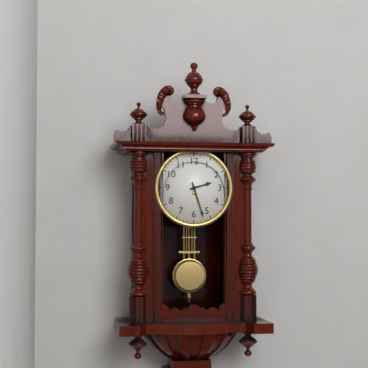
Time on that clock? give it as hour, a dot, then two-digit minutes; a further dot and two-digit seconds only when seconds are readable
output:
2.27
